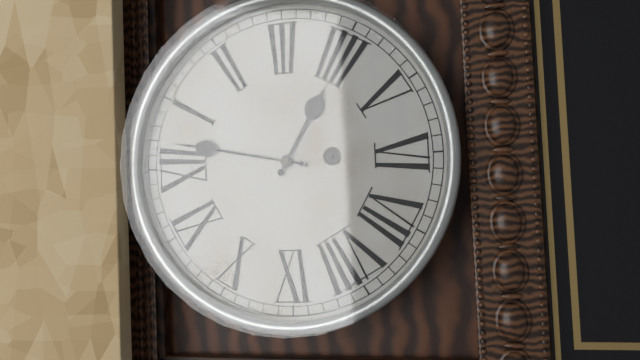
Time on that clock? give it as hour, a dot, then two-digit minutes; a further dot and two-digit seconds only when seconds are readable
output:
4.02
